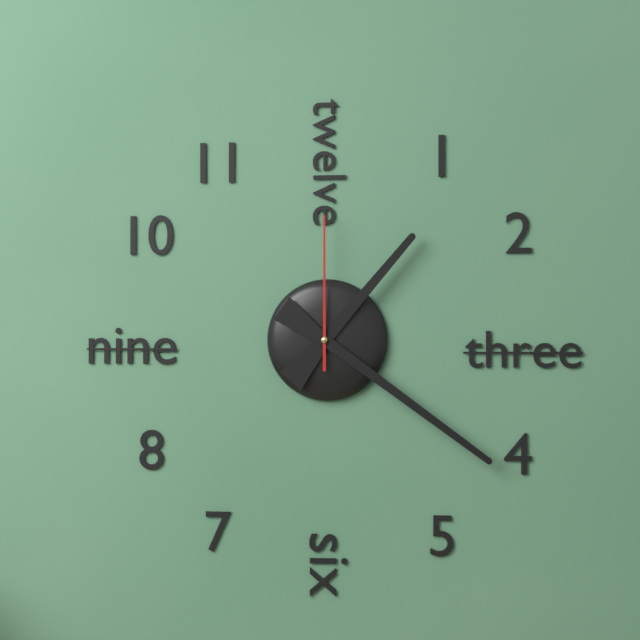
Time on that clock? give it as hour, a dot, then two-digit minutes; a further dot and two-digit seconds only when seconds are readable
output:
1.21.00
